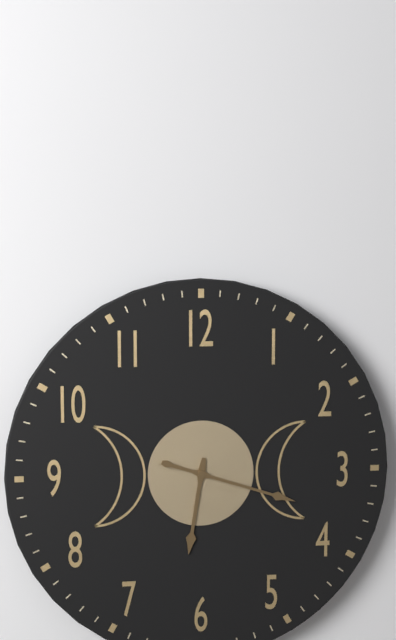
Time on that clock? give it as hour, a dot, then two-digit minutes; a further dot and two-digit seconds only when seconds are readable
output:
6.18
